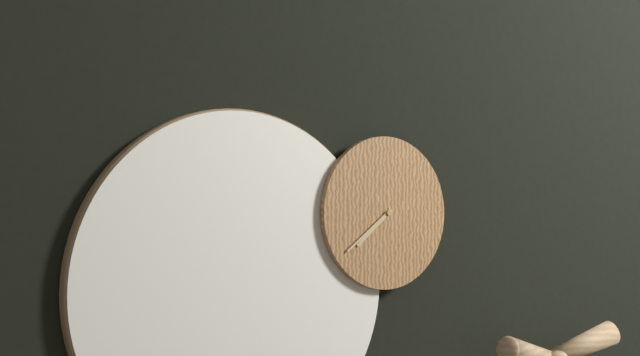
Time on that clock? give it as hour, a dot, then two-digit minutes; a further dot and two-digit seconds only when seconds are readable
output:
7.39
